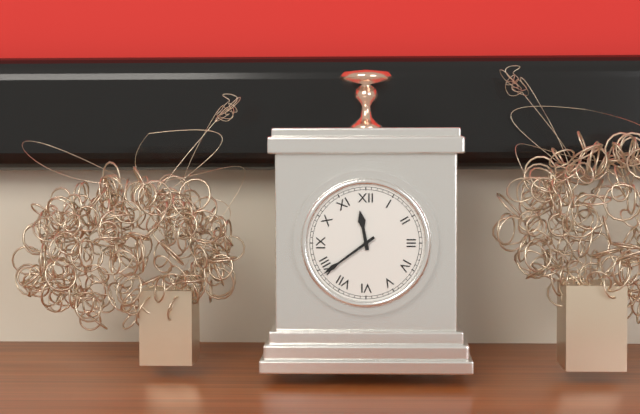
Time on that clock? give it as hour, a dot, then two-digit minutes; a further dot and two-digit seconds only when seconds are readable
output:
11.39
